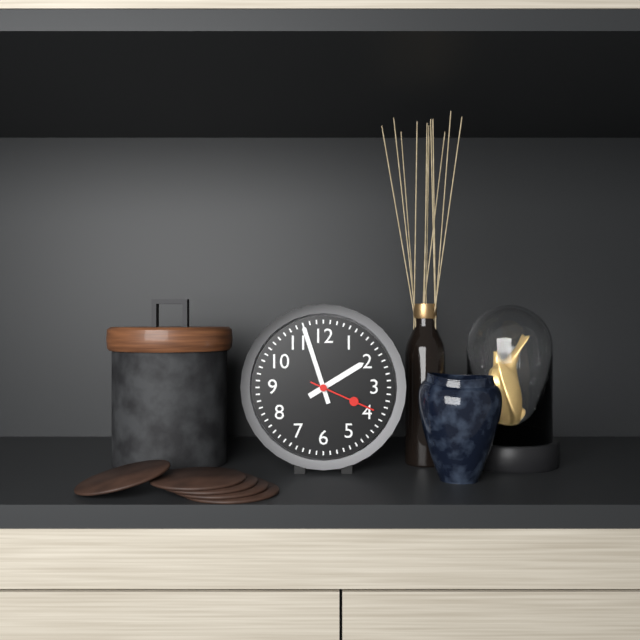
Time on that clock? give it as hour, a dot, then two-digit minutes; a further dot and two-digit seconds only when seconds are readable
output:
1.57.19
